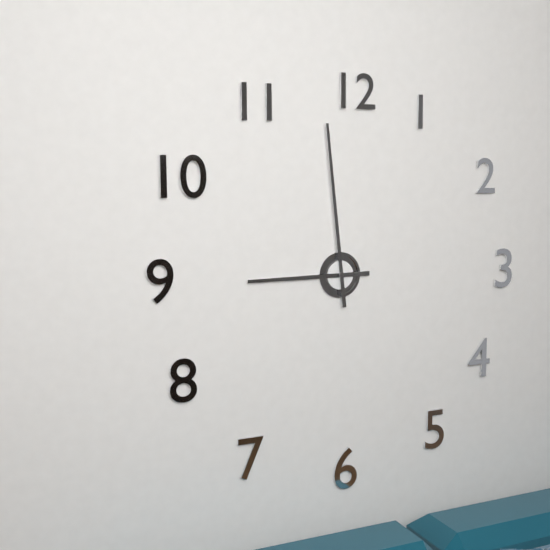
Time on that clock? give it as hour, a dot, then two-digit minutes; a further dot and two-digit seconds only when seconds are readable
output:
8.59
